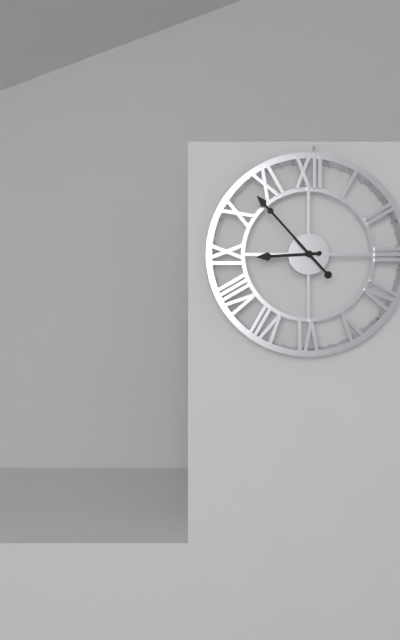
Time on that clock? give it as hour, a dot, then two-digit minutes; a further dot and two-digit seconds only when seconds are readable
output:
8.53
